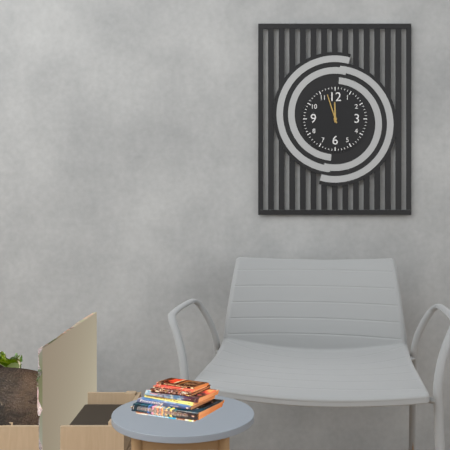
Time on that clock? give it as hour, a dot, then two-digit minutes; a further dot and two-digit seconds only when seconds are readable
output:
11.57
